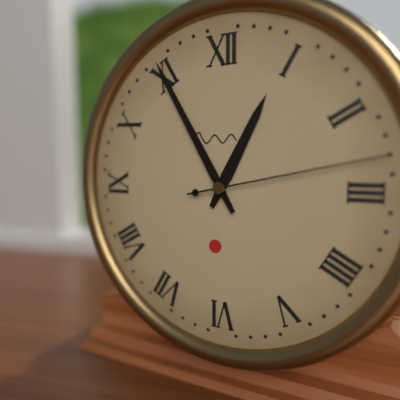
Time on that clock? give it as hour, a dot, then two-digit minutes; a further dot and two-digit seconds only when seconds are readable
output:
12.55.13
